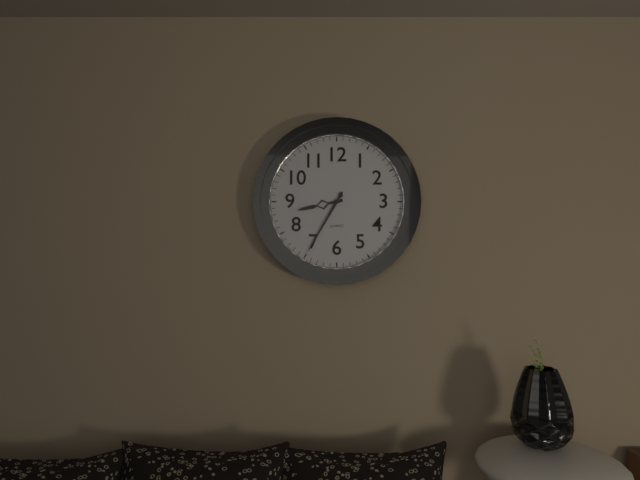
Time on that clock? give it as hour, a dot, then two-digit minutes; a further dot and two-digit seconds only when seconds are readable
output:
8.35
